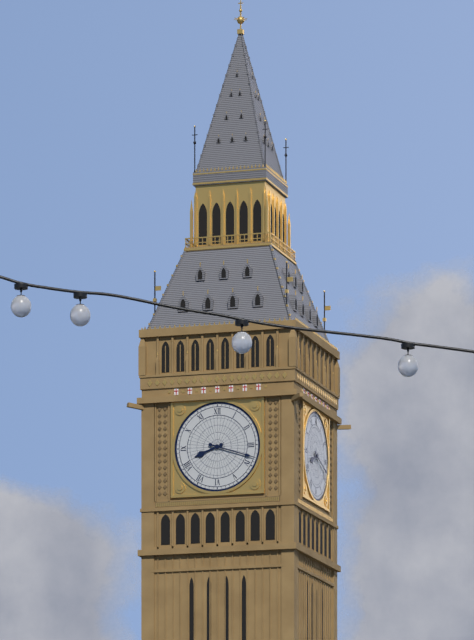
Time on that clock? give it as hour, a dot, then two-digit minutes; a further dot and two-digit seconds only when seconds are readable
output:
8.18
